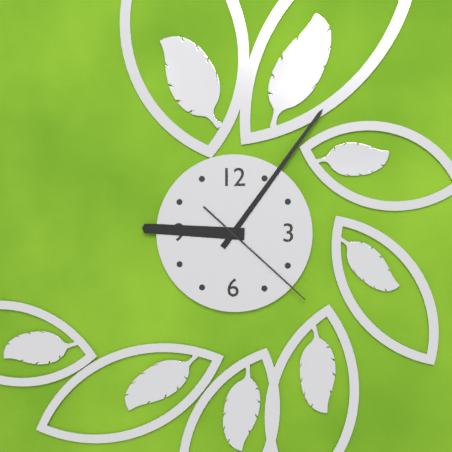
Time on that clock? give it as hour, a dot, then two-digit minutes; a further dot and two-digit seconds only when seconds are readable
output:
9.06.22
